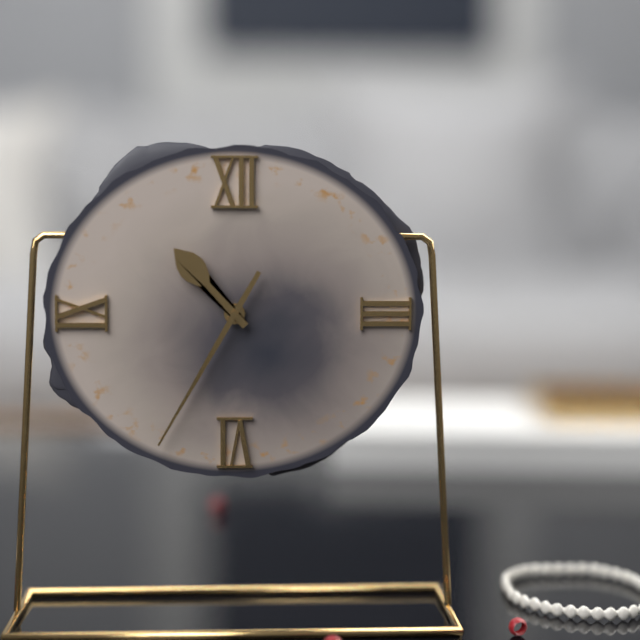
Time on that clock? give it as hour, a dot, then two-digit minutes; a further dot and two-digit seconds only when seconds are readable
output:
10.35
